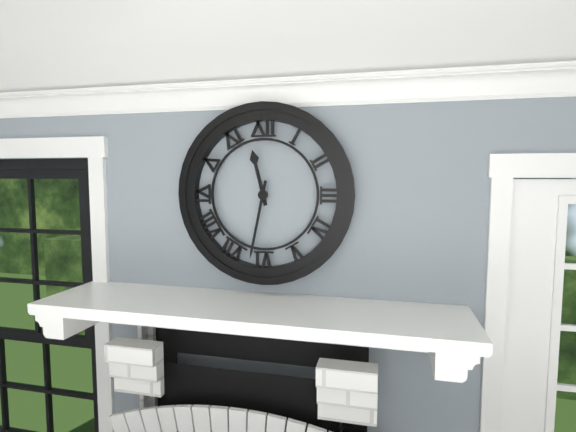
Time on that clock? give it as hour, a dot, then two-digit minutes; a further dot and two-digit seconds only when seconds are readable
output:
11.32
